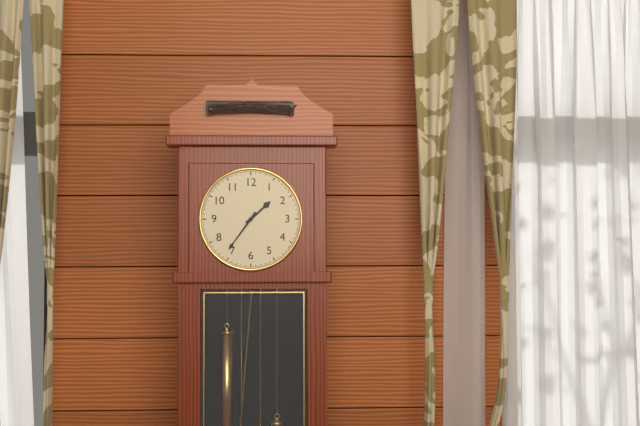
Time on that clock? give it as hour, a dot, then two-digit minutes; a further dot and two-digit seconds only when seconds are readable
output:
1.36
